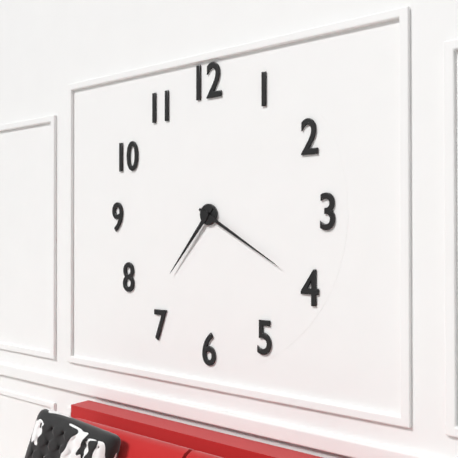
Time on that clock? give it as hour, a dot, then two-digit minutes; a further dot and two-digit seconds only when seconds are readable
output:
7.20
